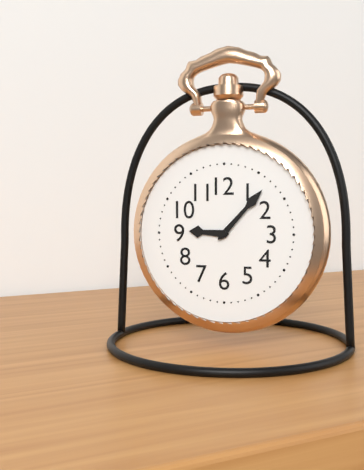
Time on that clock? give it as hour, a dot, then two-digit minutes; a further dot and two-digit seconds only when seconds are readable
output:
9.07
